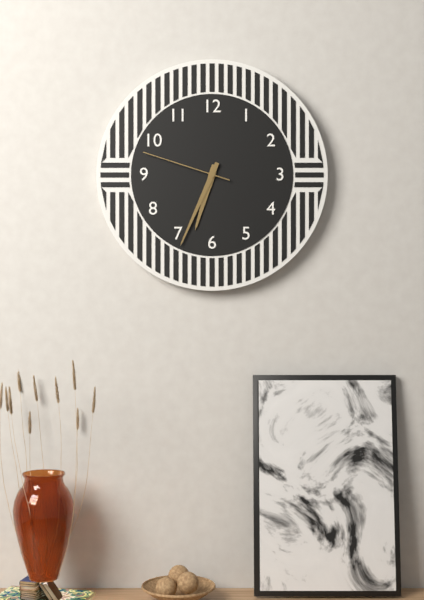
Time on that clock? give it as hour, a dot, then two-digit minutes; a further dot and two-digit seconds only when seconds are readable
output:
6.34.48
